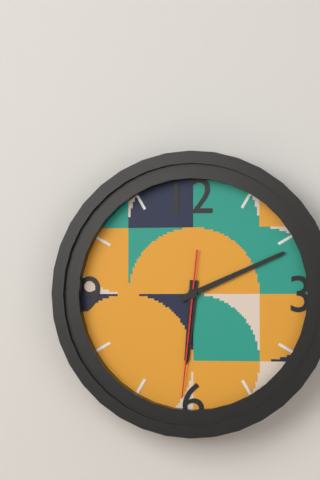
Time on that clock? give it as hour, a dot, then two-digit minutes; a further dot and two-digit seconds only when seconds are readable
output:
6.11.31
